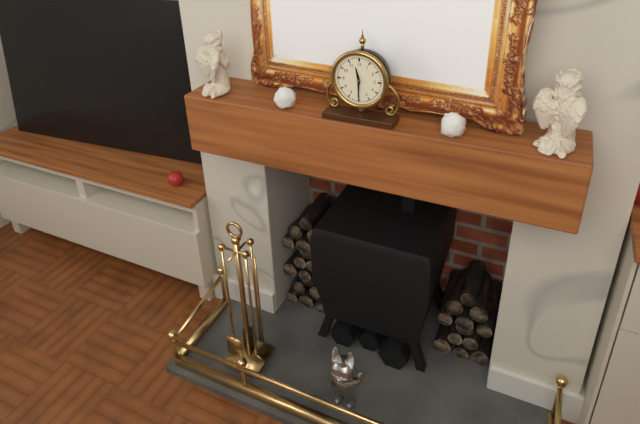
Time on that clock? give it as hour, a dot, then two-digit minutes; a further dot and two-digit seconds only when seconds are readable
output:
11.30
